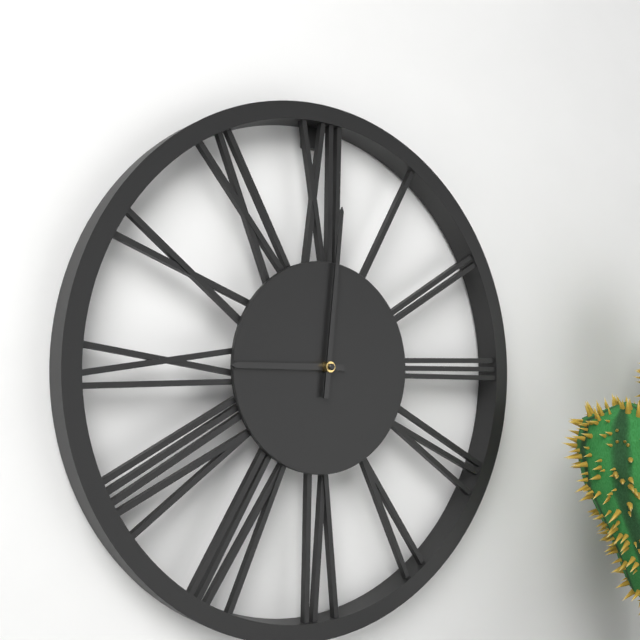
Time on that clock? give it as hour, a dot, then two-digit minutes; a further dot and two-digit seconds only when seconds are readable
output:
9.01
